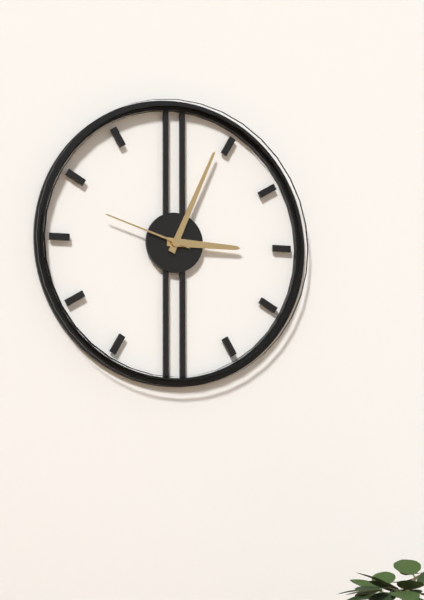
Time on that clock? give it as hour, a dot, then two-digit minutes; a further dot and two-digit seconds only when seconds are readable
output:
3.04.48
